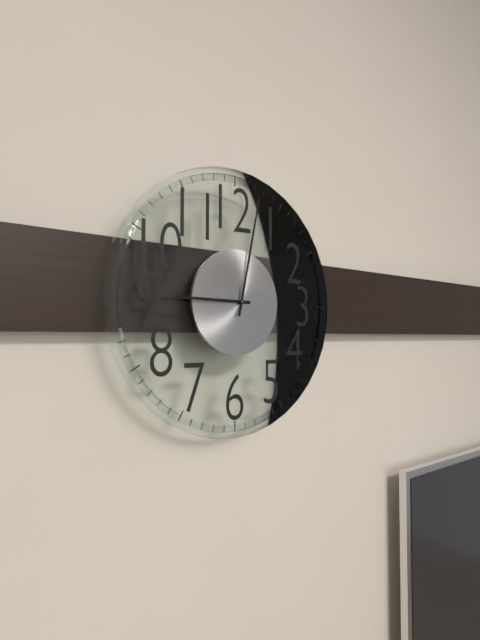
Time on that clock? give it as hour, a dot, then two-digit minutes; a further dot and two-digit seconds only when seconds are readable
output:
9.02
